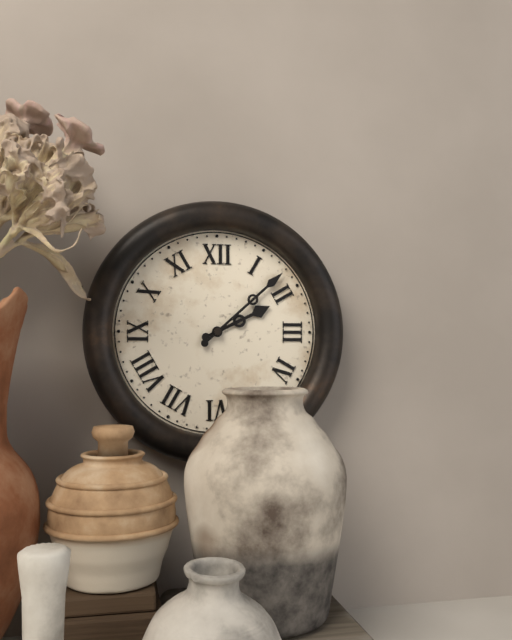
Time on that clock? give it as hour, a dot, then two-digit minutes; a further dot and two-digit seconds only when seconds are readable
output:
2.08
